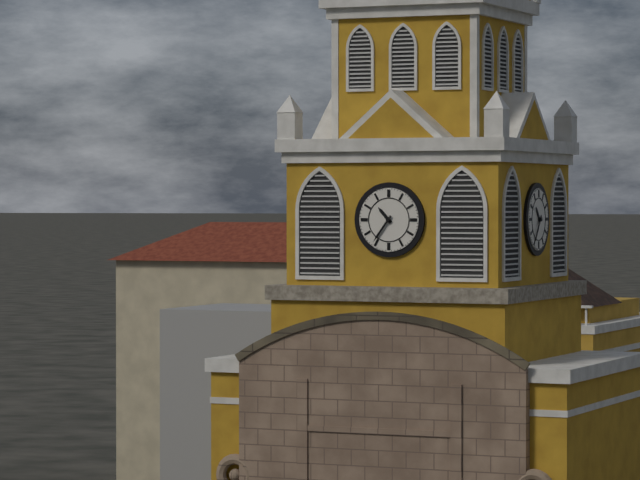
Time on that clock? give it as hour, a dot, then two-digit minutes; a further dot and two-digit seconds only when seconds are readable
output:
10.36
